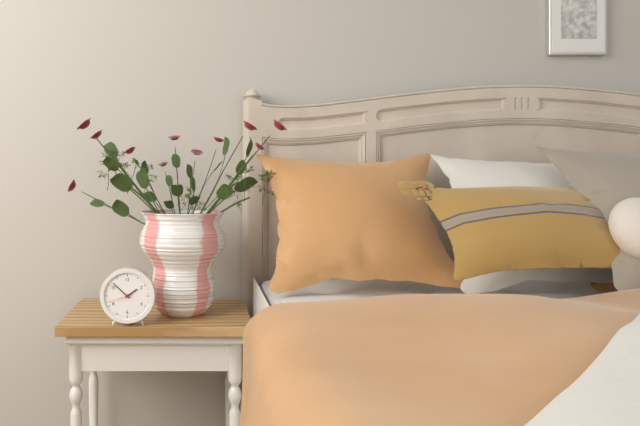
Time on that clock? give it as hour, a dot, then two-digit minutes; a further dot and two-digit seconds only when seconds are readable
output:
1.52
